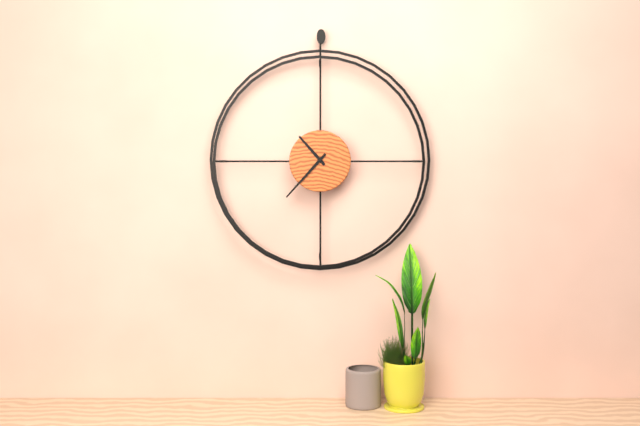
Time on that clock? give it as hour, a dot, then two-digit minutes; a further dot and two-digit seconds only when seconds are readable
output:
10.37
